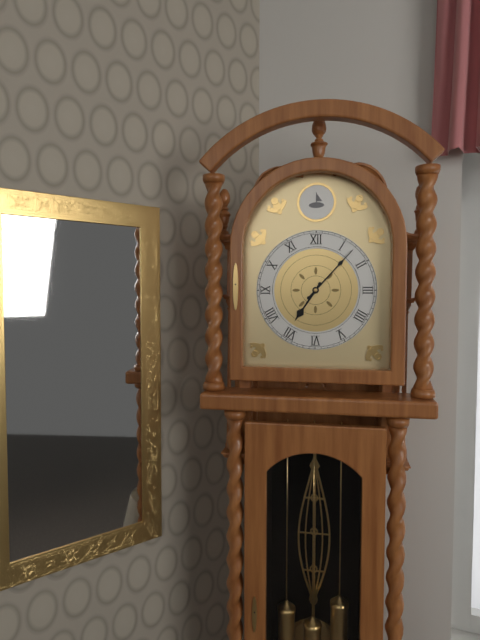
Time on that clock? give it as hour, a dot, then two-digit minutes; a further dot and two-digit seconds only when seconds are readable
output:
7.07
